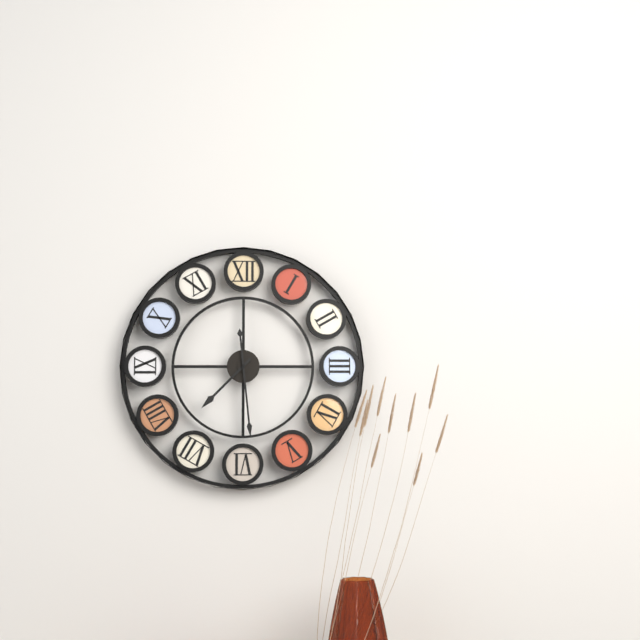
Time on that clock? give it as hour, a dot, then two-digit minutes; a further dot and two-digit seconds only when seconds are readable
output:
7.29
